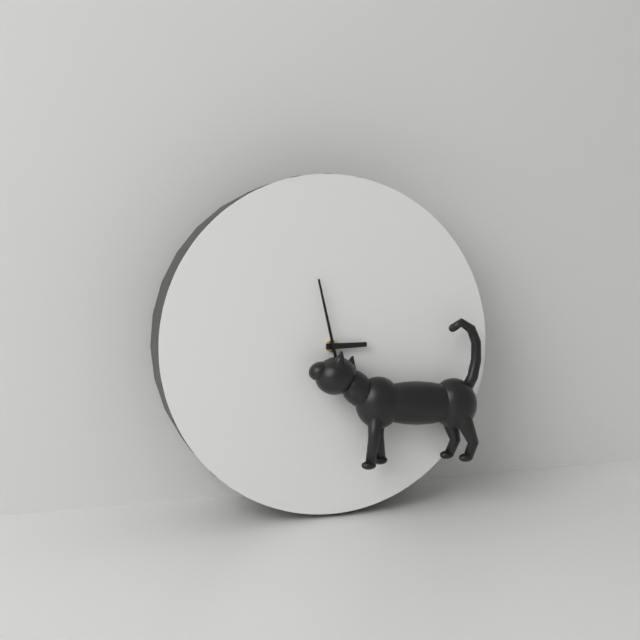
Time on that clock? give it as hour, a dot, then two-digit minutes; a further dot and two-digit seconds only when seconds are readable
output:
2.58
